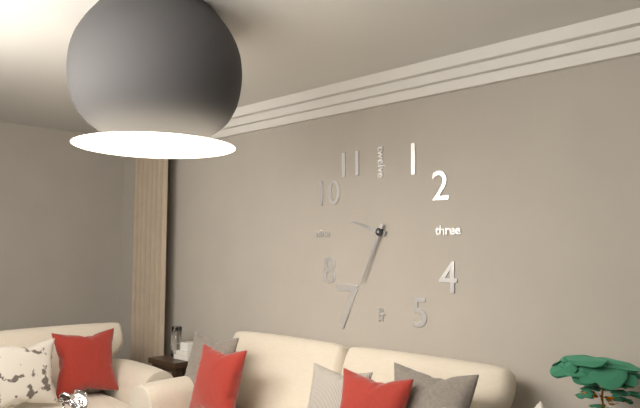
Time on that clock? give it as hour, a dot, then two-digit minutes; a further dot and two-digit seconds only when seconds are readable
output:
9.34
